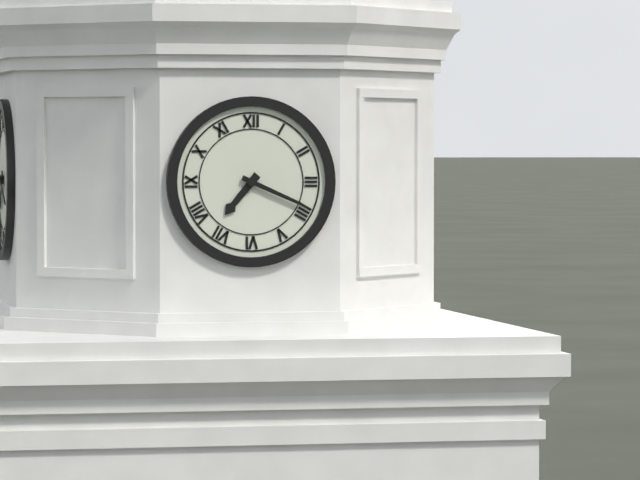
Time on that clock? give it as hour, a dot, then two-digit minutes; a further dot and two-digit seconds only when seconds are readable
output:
7.19
